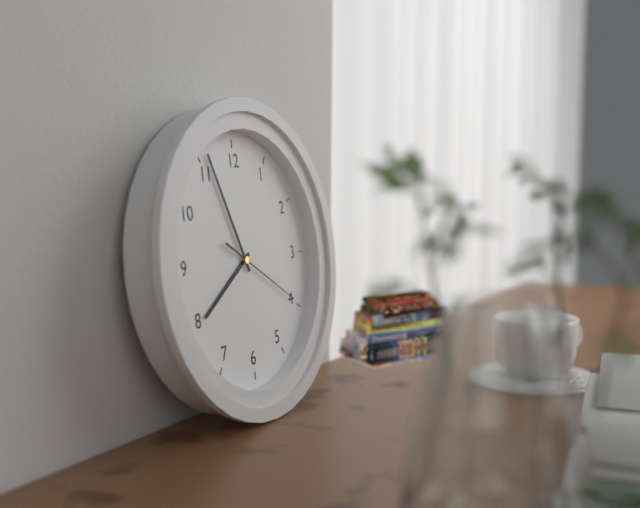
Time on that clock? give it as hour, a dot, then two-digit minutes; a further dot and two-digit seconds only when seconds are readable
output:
7.56.20
